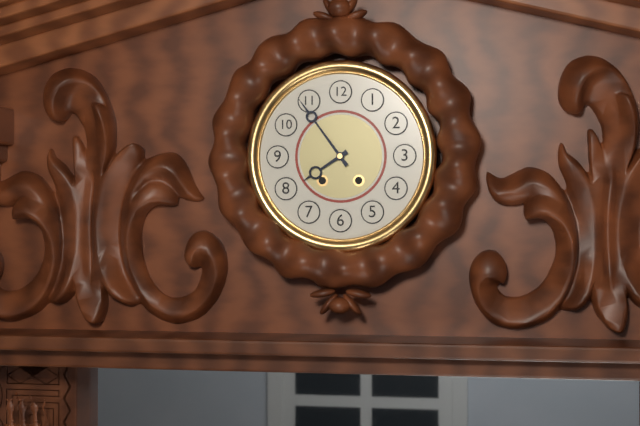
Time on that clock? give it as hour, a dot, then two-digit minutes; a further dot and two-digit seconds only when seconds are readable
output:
7.54
